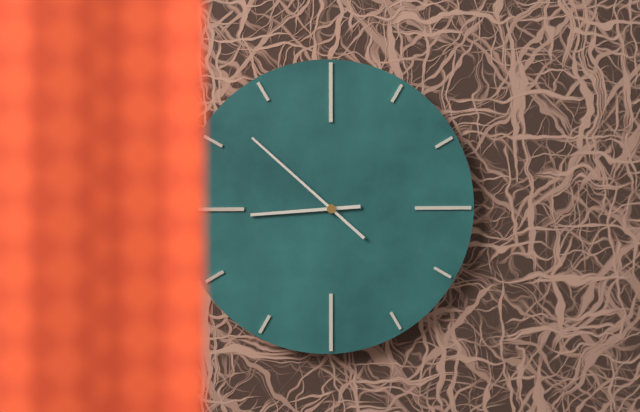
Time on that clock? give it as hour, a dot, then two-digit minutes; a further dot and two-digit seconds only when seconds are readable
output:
8.52
